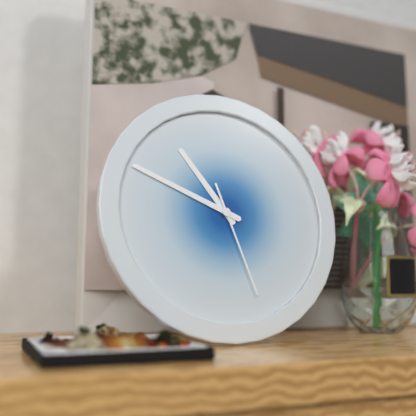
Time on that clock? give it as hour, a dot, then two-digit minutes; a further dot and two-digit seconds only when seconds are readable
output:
10.49.27
